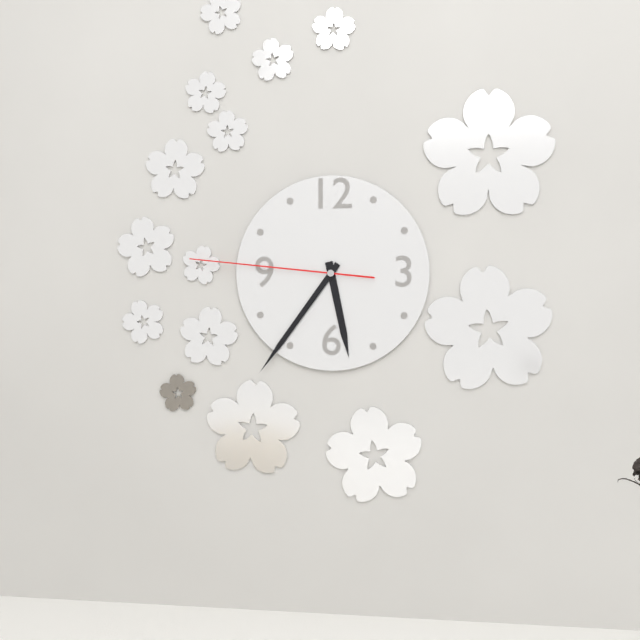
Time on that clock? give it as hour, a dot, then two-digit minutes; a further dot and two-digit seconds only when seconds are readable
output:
5.36.46
